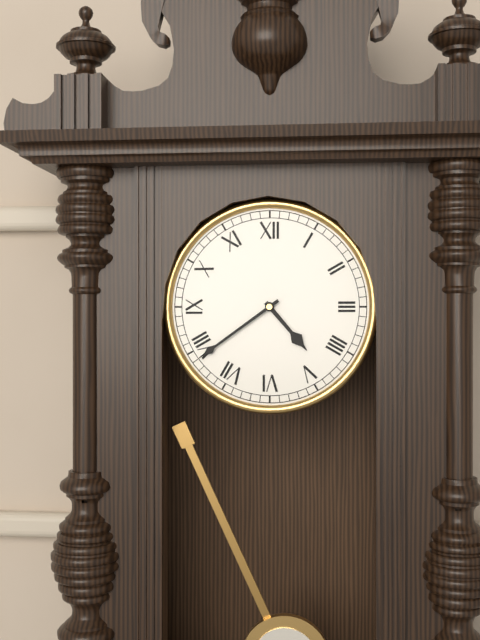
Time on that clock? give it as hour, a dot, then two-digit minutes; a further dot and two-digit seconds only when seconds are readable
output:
4.39
